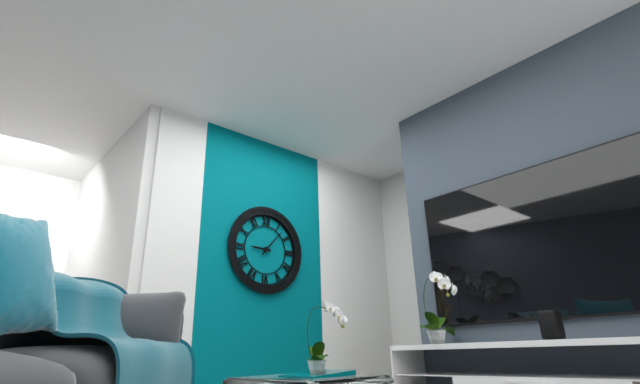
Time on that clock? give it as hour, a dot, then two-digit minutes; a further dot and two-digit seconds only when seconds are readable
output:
9.07
